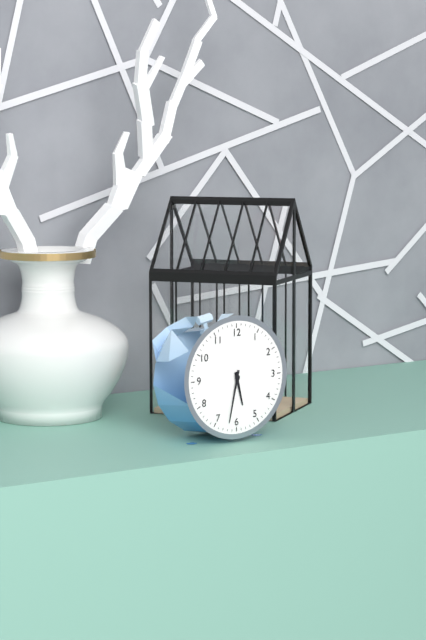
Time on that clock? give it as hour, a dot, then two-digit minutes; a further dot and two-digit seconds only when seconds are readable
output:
5.32
